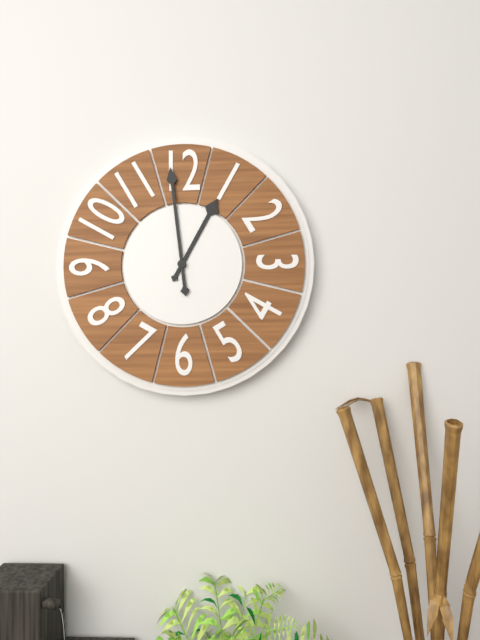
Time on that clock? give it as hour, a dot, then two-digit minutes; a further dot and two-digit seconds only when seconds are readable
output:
12.59
